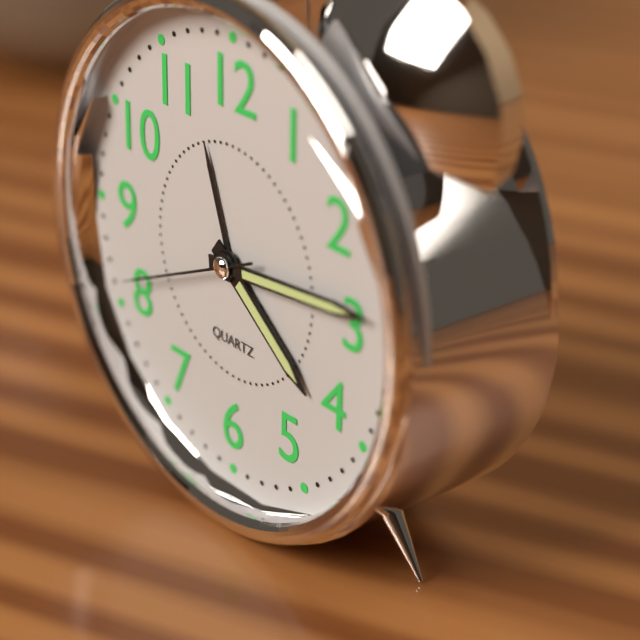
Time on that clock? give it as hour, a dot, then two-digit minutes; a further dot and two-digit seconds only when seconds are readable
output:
4.14.41
